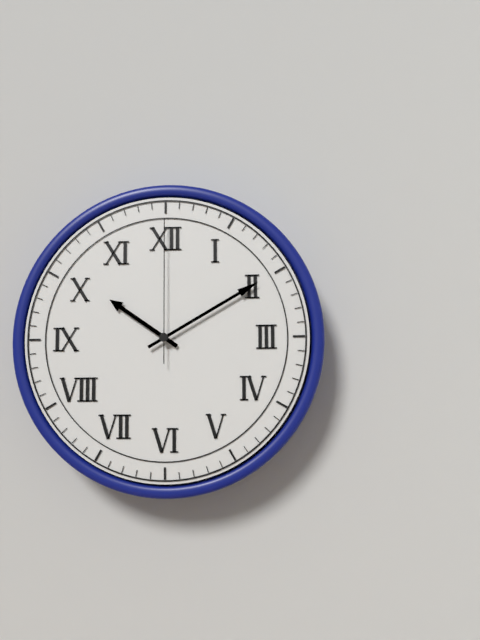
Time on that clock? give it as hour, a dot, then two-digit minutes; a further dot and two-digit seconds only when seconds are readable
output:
10.10.00
